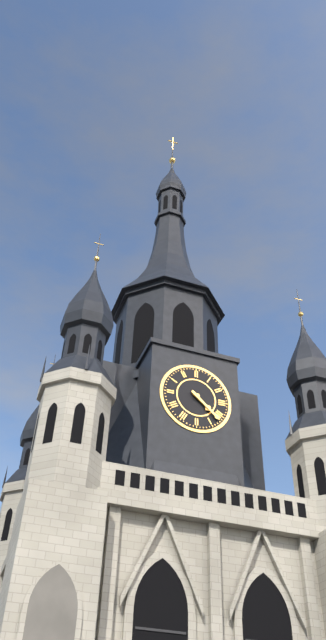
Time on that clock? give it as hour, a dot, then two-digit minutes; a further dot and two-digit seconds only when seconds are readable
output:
4.22
